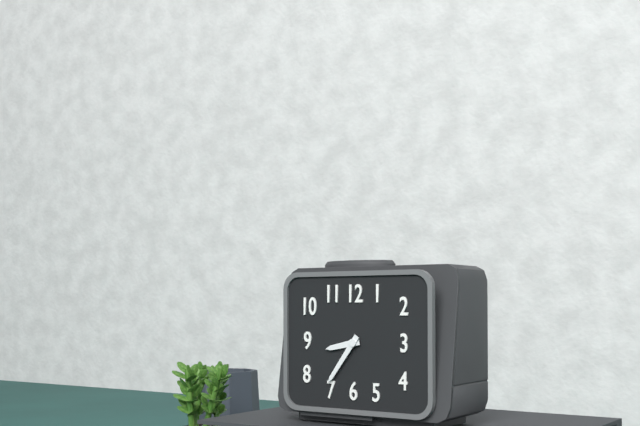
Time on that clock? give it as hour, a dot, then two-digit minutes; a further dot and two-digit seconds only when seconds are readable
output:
8.36
